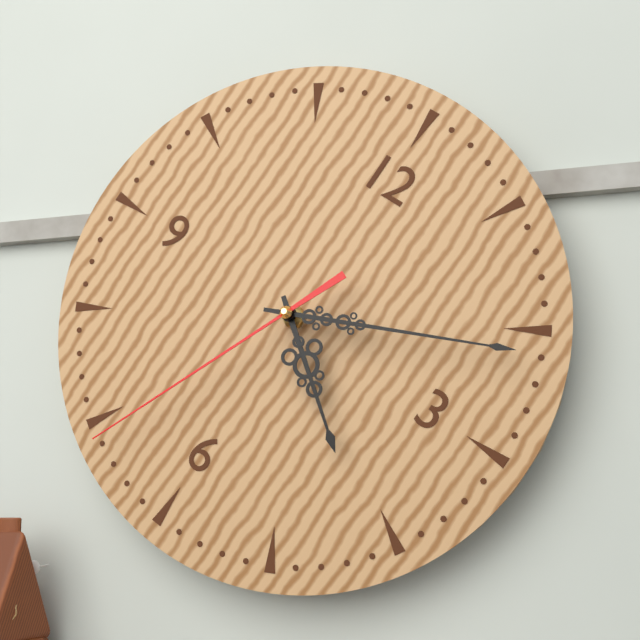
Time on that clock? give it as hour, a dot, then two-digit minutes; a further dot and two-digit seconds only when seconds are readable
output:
4.11.34
